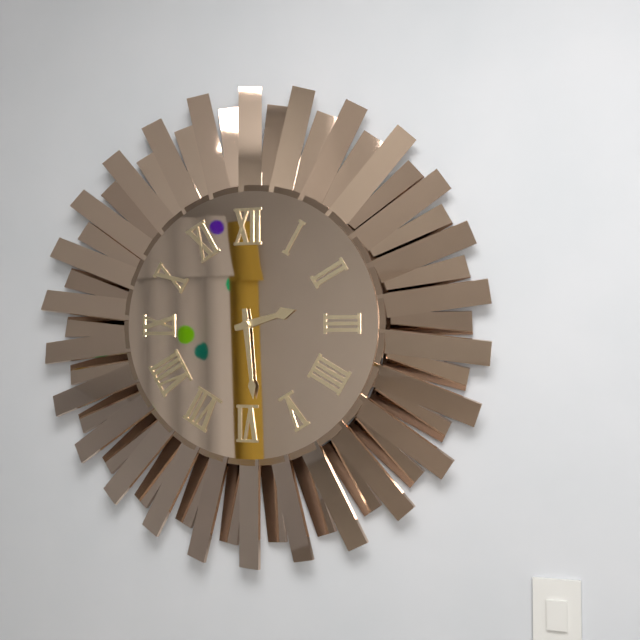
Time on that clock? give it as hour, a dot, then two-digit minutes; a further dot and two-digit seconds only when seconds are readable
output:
2.29
